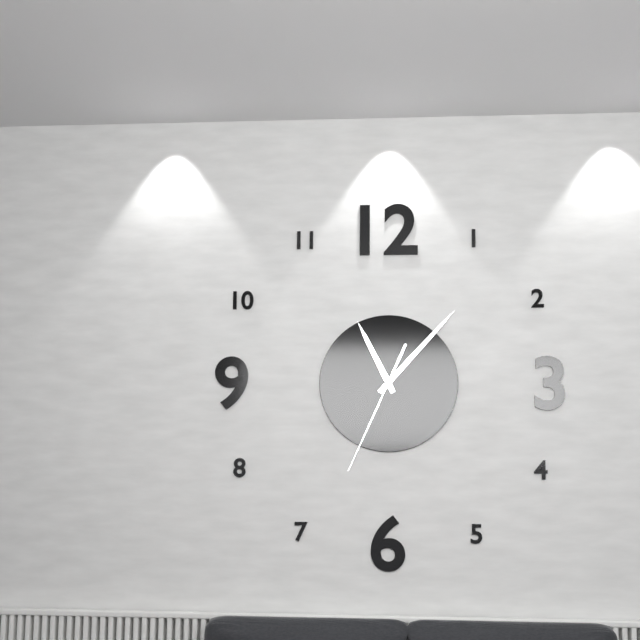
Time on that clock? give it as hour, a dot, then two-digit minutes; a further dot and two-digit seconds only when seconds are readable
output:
11.07.34
